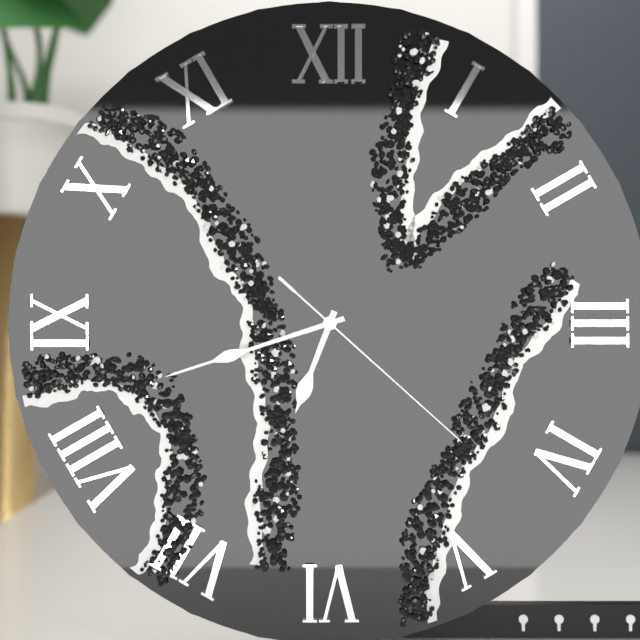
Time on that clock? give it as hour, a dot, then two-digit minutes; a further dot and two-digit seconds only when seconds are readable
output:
6.42.22
